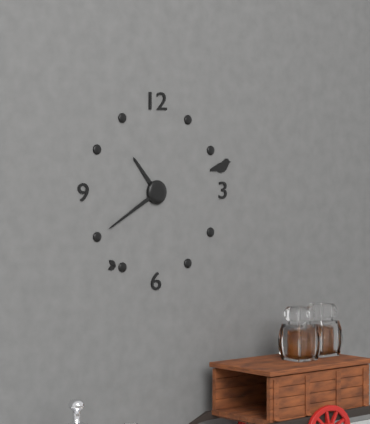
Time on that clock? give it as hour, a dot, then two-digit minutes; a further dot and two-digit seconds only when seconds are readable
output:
10.40
